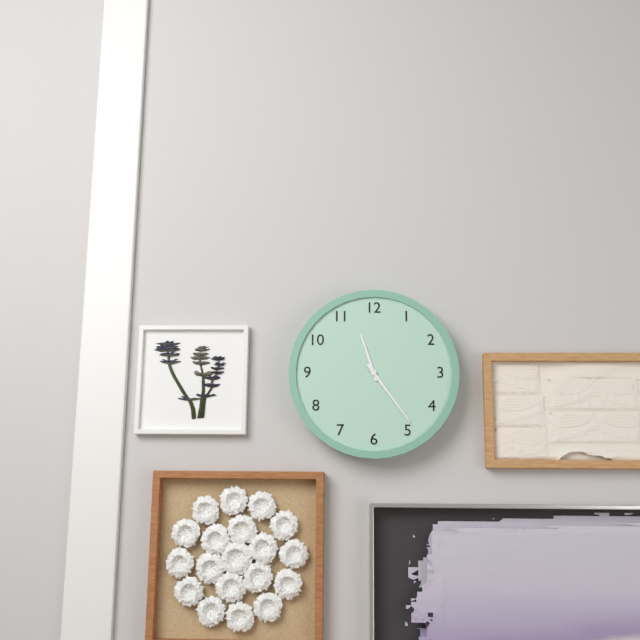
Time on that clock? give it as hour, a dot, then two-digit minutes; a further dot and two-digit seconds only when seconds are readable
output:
11.24
